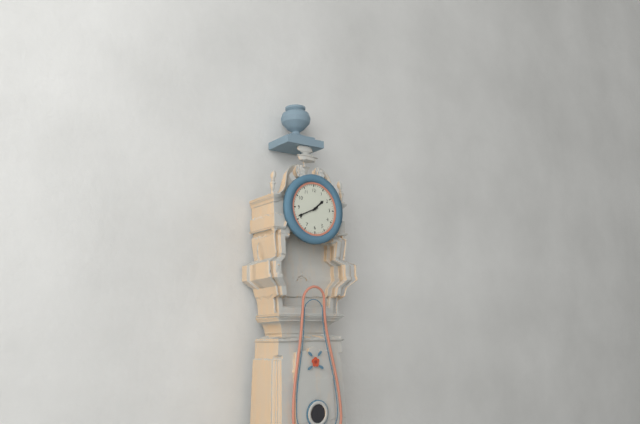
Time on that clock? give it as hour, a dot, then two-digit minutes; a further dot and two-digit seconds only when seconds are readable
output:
1.41
